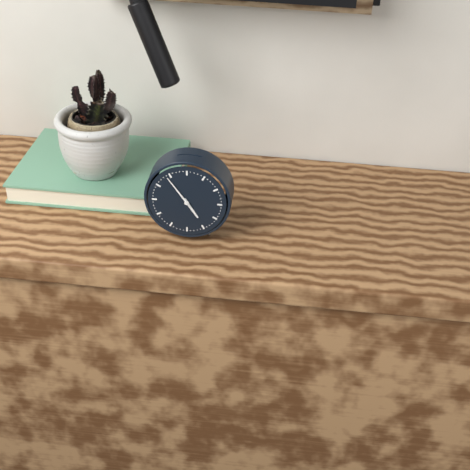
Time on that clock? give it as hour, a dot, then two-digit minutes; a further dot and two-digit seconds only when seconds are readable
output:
4.54
